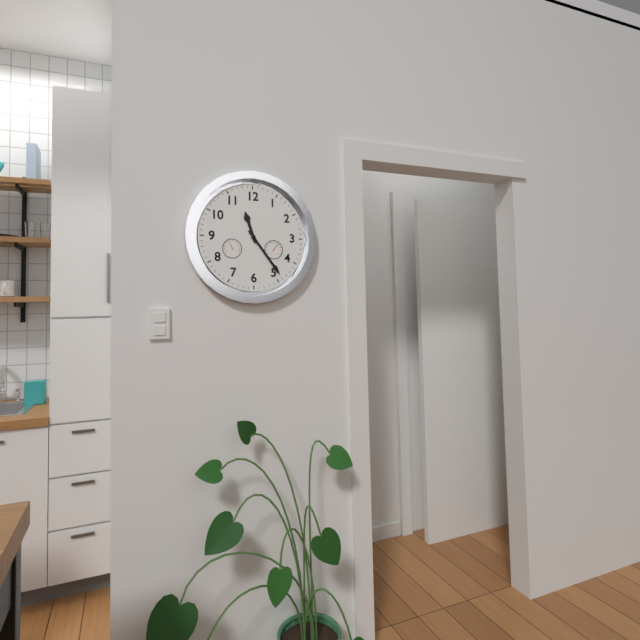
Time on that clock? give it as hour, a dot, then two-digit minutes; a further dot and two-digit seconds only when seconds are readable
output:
11.24
